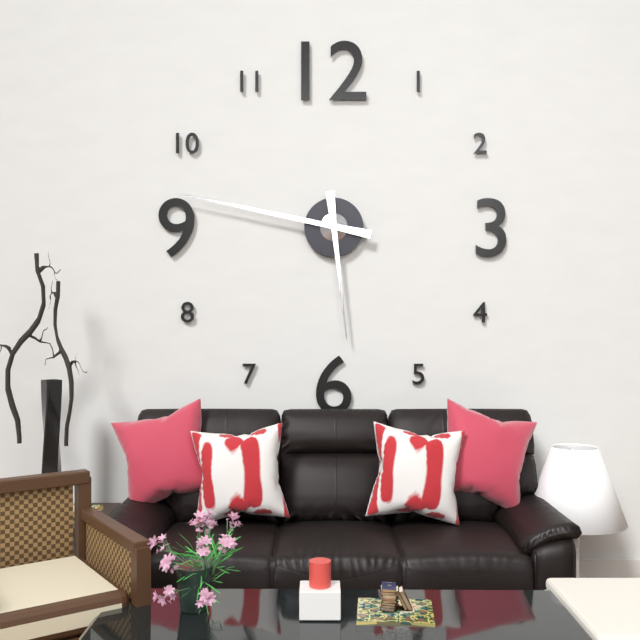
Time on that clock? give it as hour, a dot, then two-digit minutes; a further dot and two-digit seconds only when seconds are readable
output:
5.47
